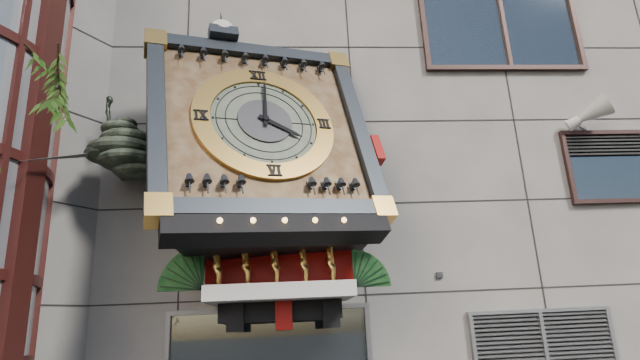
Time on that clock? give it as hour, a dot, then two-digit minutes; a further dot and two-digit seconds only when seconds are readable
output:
4.01
